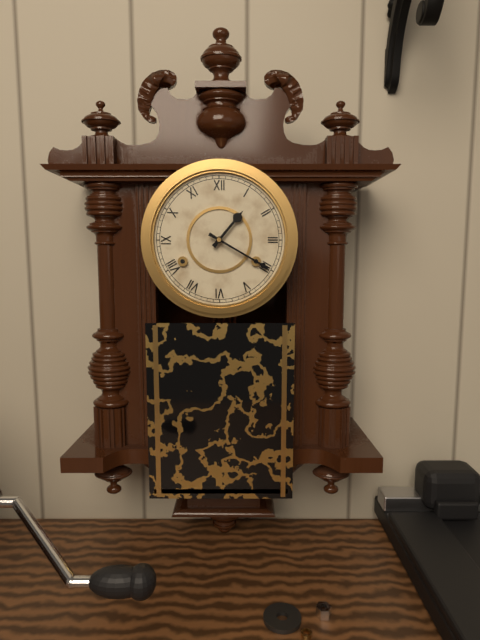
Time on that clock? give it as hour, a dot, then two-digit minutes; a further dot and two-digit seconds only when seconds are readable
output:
1.20
